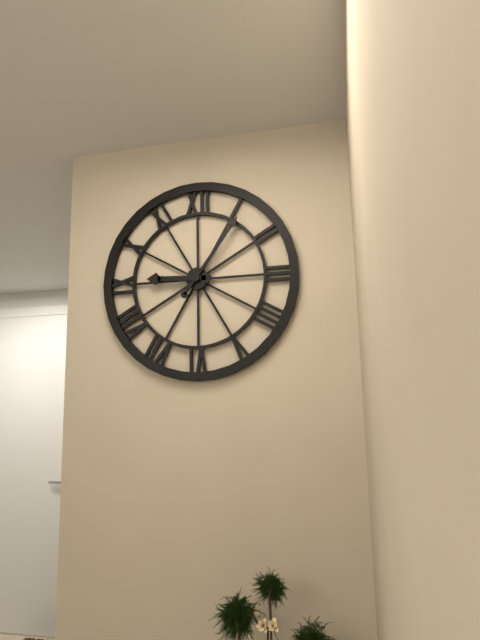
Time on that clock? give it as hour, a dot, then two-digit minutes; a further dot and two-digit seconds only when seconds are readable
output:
9.06
